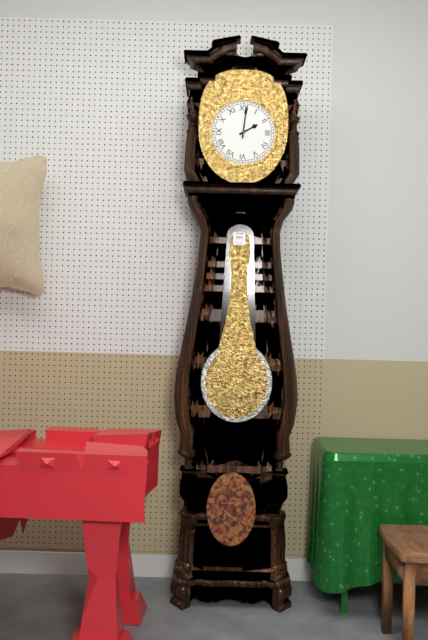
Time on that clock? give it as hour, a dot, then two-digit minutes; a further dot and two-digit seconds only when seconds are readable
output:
2.01
